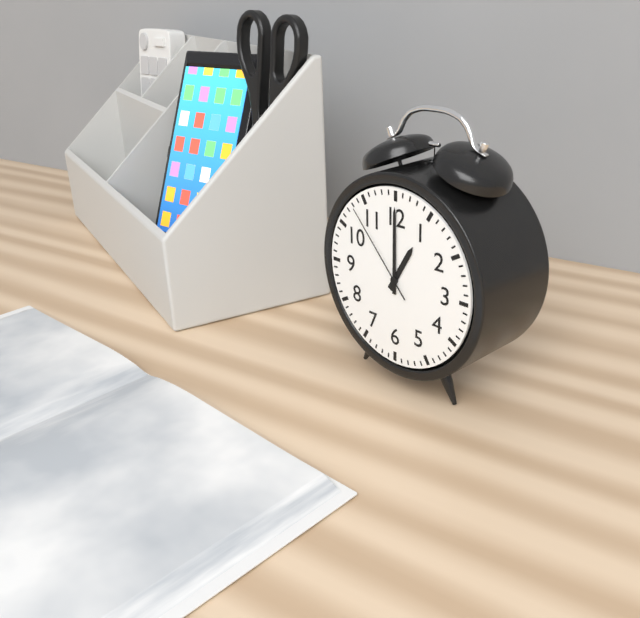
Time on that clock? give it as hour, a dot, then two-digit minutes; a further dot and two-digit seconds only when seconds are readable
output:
1.00.53
